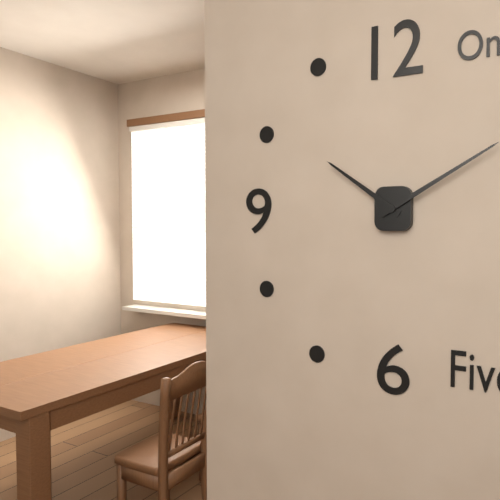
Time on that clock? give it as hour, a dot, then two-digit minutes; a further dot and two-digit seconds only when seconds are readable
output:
10.10
